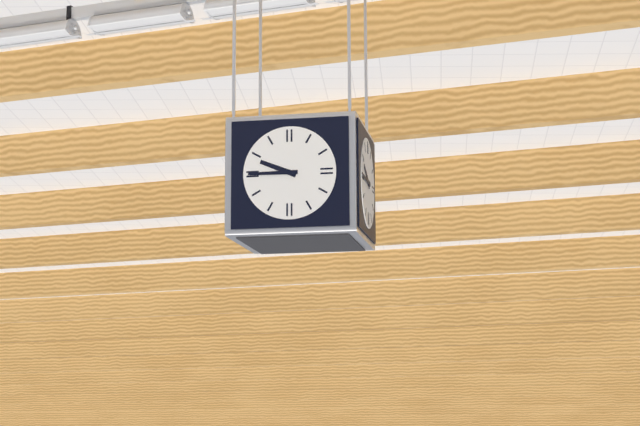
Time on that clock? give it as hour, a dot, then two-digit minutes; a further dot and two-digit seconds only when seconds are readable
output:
9.45
